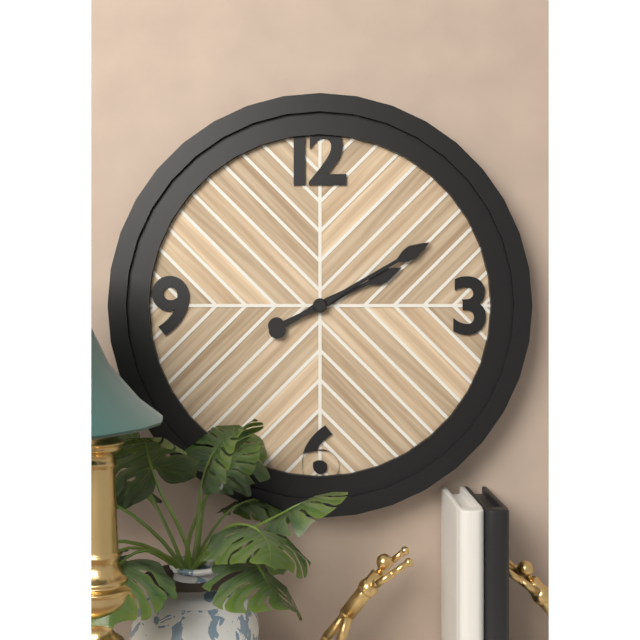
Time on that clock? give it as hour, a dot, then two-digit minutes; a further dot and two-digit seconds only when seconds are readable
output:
2.10
